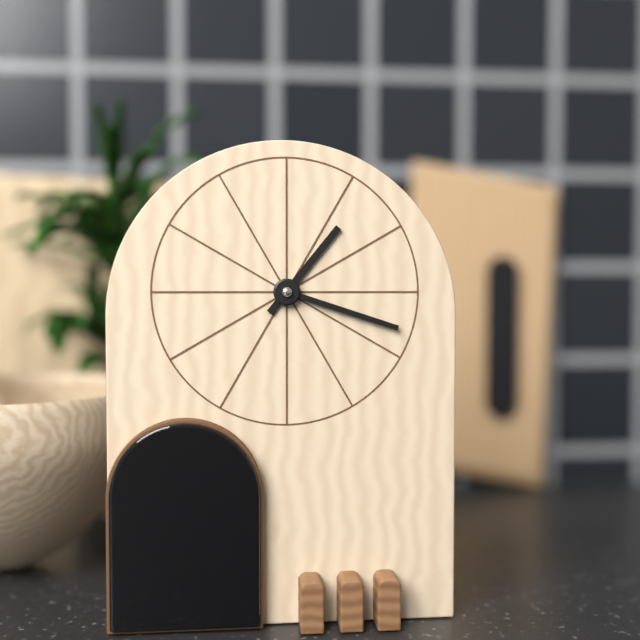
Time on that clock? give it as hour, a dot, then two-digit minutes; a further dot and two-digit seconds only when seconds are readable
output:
1.18
